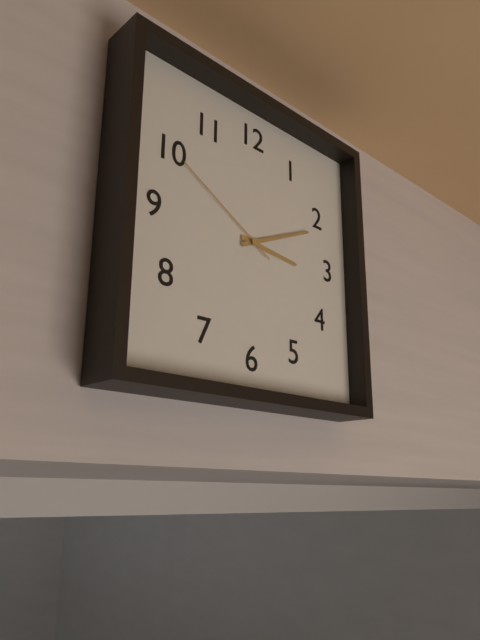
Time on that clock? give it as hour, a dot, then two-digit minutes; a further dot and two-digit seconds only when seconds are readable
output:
3.11.50
